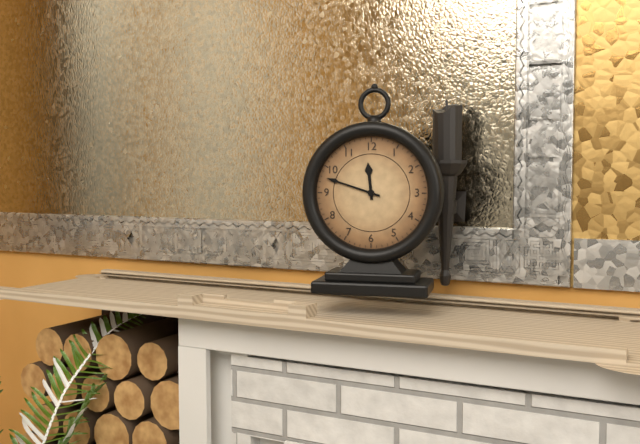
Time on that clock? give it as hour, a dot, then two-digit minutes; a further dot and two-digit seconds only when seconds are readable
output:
11.48
